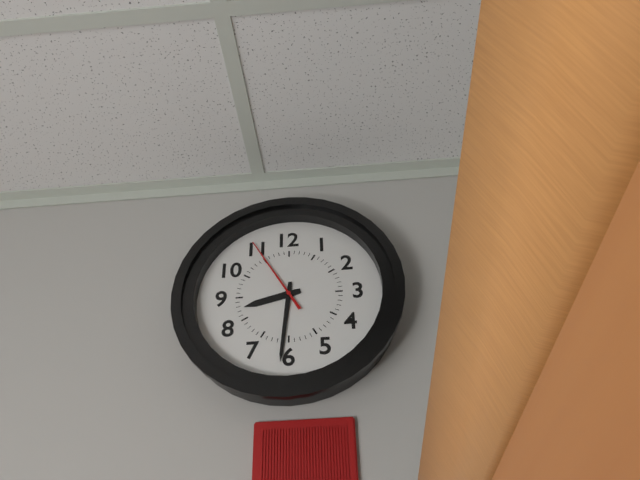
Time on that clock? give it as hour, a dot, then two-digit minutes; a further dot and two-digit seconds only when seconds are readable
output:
8.31.55
